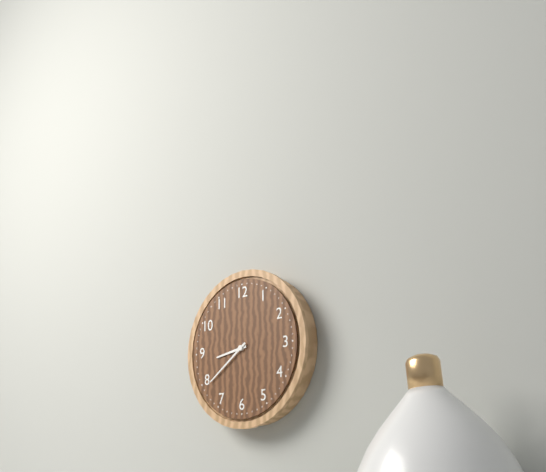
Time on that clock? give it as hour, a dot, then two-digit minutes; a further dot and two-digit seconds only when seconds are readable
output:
8.39
